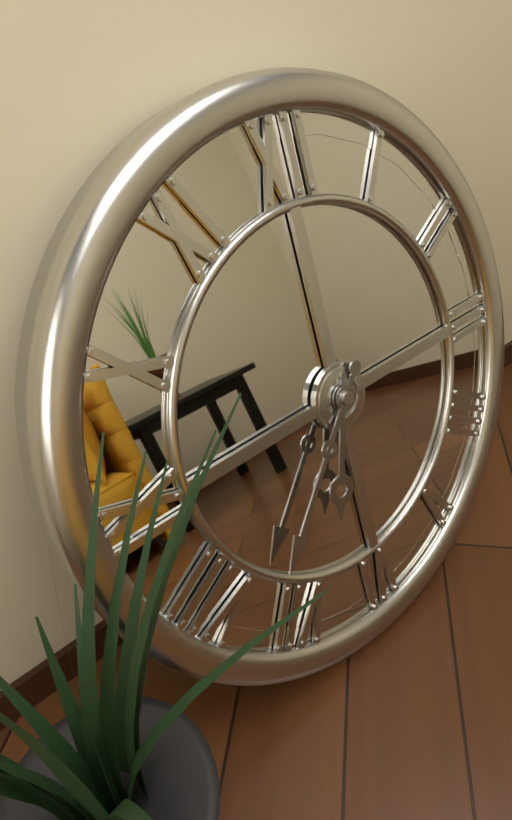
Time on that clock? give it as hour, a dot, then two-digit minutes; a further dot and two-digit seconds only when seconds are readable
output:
6.37
